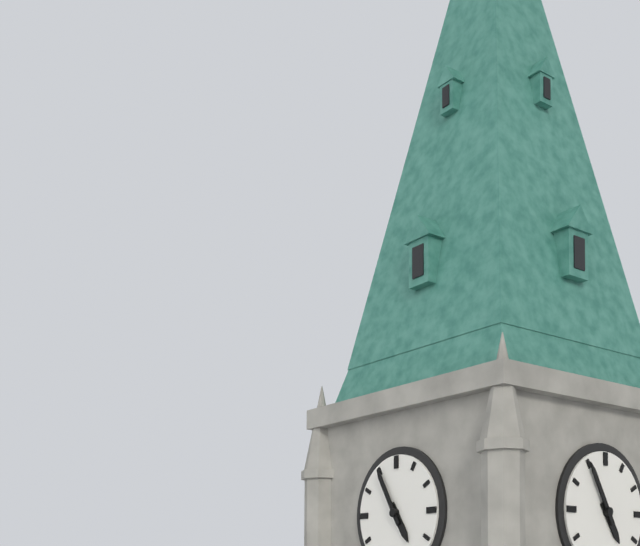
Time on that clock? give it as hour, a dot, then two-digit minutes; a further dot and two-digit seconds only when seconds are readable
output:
4.55
